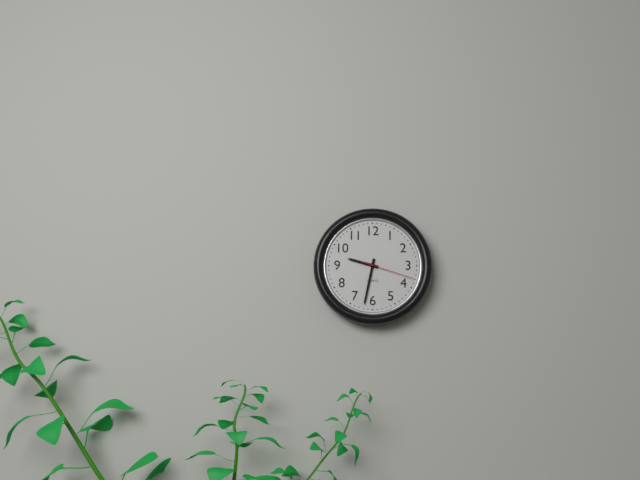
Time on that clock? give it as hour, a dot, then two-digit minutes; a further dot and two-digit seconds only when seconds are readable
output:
9.32.18
